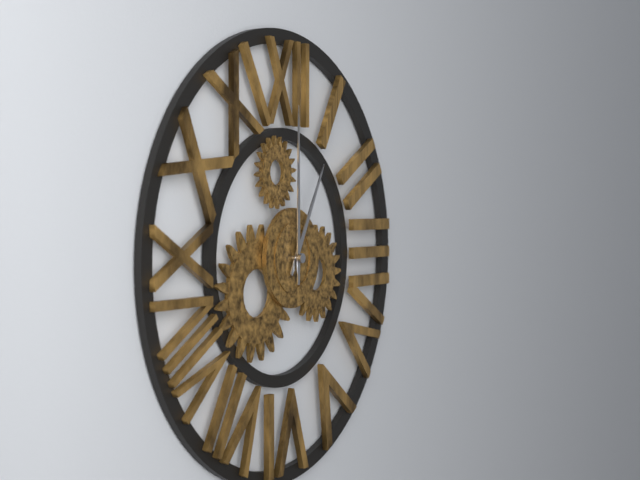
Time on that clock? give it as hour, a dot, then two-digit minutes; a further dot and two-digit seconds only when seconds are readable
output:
1.00
